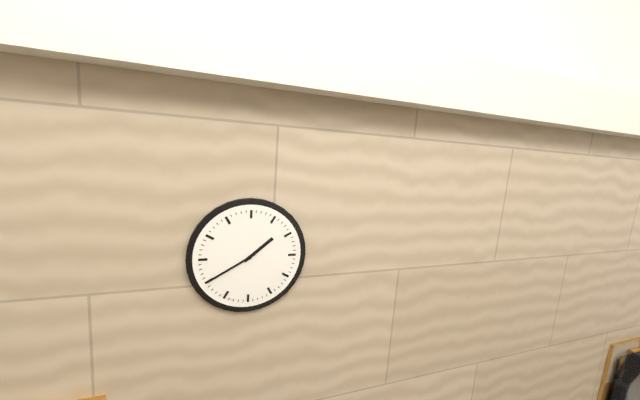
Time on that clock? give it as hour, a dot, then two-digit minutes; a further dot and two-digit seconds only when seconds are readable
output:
1.40
